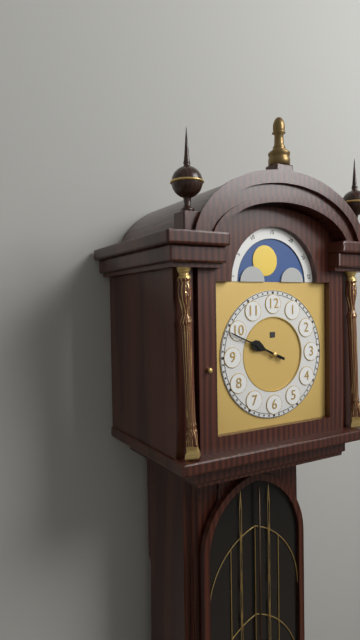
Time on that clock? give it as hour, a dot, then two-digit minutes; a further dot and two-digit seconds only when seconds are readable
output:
9.49
